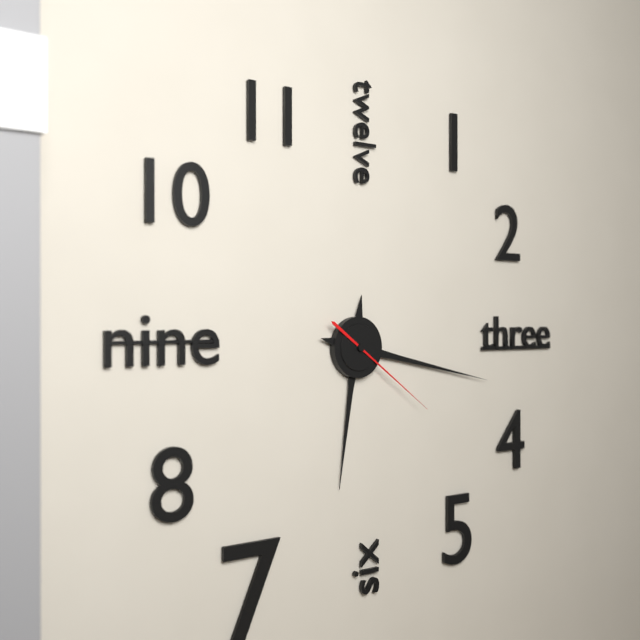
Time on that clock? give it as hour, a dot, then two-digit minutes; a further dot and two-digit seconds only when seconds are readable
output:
6.17.21
